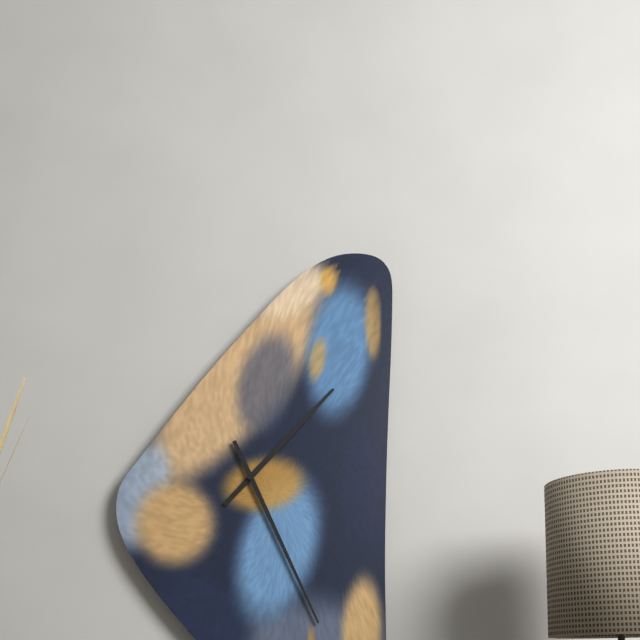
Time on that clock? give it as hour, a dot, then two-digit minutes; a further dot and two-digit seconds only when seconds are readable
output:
1.26
